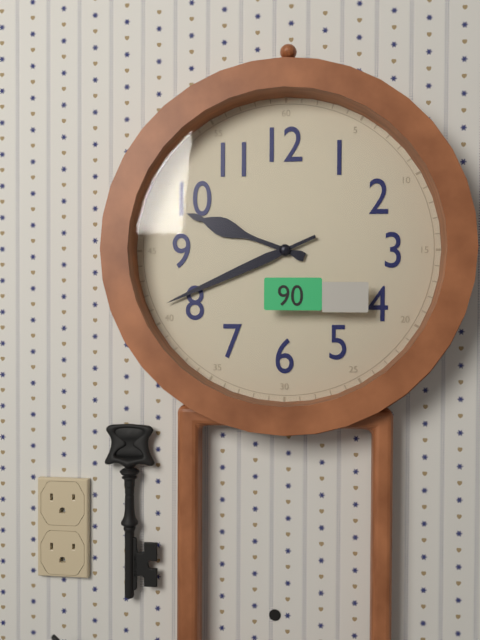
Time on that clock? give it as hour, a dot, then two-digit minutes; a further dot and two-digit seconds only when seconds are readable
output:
9.41
